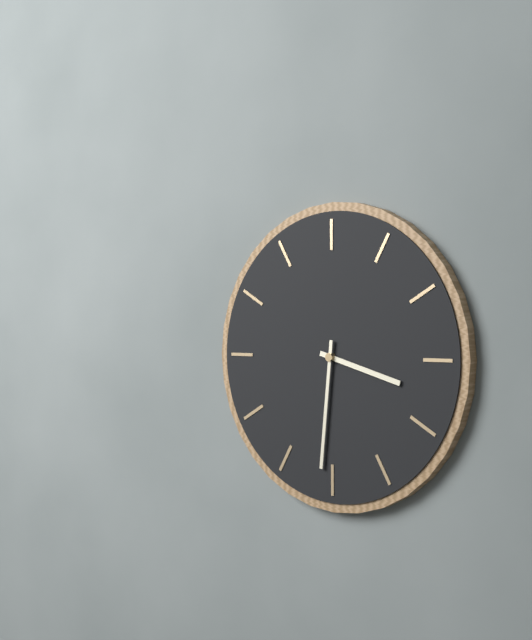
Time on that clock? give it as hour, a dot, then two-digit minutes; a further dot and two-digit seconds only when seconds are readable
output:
3.31
